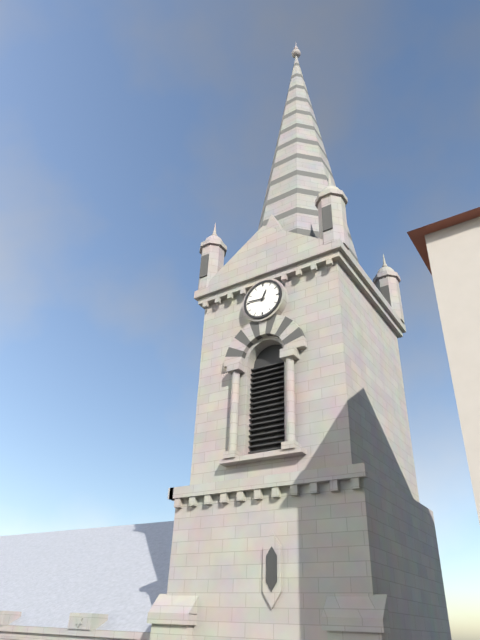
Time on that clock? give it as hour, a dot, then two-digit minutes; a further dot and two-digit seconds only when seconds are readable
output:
12.46
